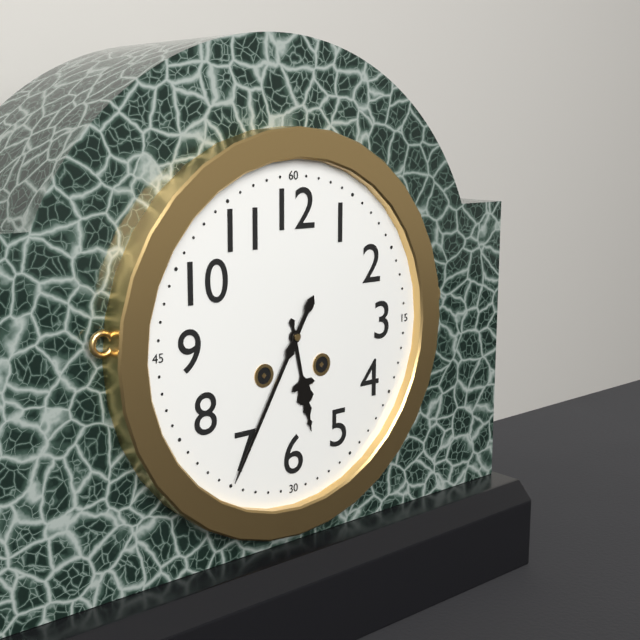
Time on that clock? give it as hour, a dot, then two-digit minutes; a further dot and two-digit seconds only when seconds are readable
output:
5.35
